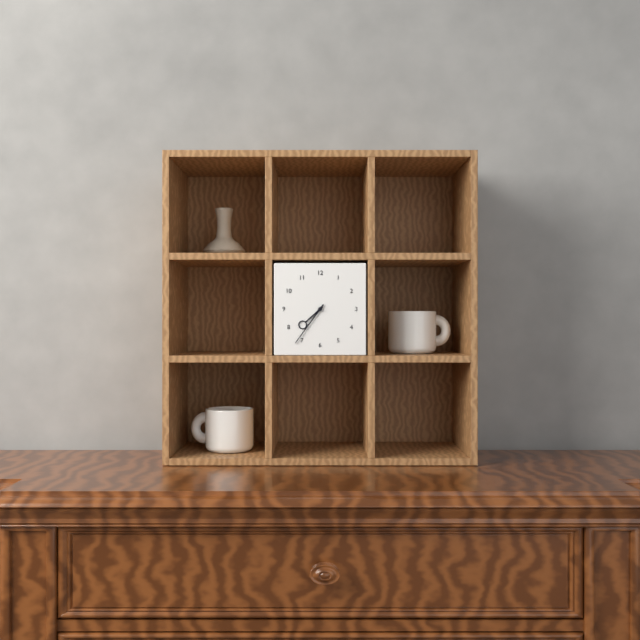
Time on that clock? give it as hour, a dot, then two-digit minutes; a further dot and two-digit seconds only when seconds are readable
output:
7.36
